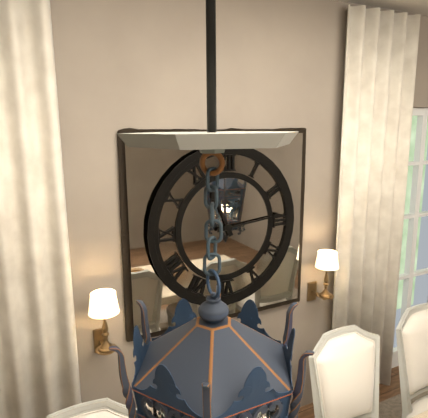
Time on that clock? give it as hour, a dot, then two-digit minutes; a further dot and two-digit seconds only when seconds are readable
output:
11.14
